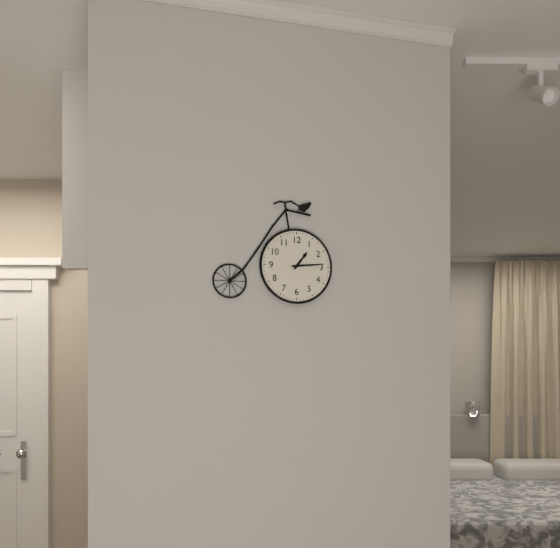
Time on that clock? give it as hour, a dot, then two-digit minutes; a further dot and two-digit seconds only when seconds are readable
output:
1.14
